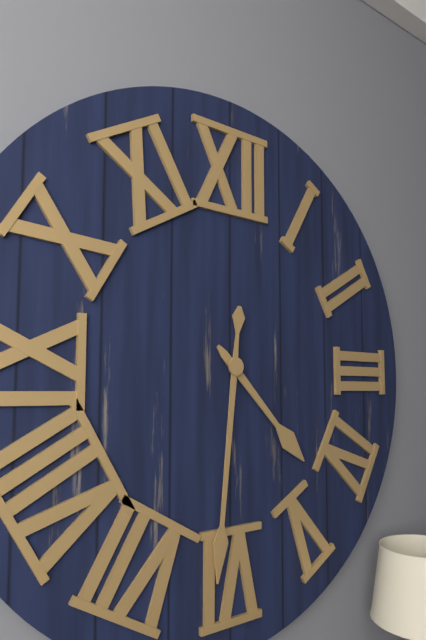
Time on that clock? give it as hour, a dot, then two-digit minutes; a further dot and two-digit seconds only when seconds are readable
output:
4.31
